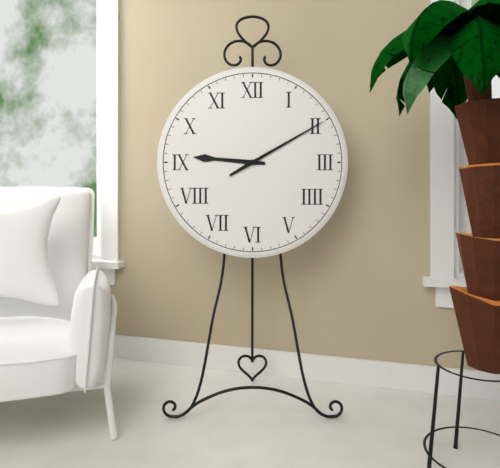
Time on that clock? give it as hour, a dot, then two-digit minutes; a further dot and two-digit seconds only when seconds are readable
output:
9.10
